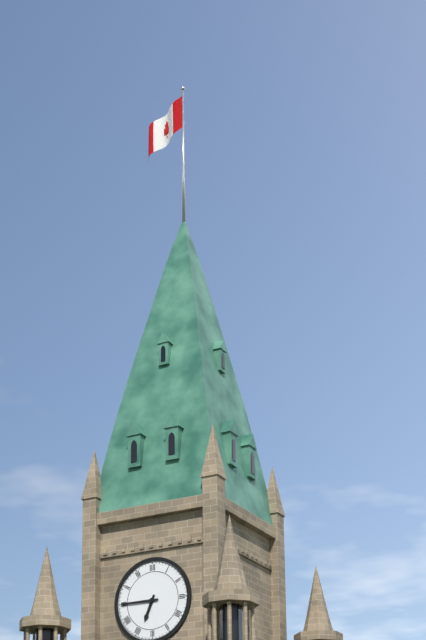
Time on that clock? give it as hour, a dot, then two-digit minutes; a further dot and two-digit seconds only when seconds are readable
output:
6.45
